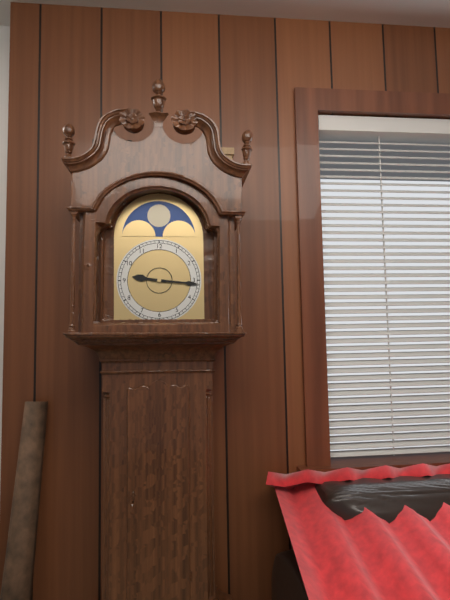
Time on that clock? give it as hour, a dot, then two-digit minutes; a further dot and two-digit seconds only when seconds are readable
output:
9.16
